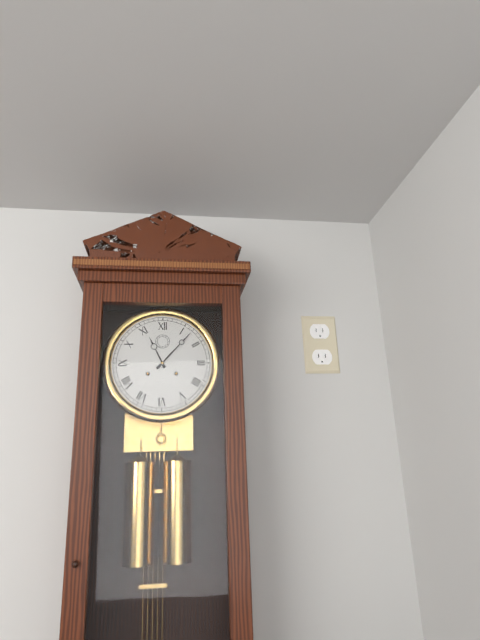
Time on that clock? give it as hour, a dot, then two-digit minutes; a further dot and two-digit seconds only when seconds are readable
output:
11.07
